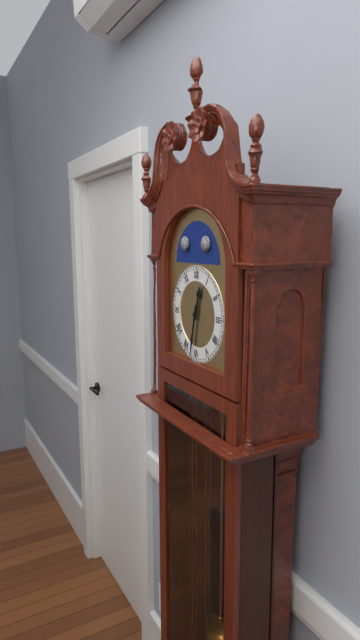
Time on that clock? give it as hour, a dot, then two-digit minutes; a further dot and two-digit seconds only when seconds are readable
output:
12.32
